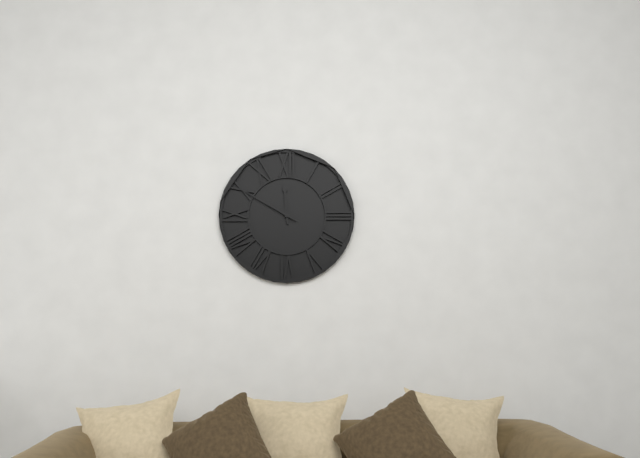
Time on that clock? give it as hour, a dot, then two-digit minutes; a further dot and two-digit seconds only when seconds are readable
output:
11.50
